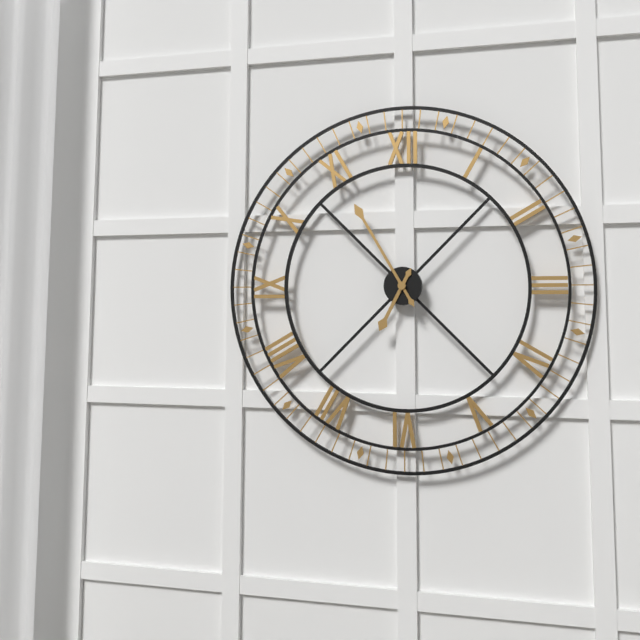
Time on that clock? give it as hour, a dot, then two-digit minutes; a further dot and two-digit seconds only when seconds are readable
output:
6.55
